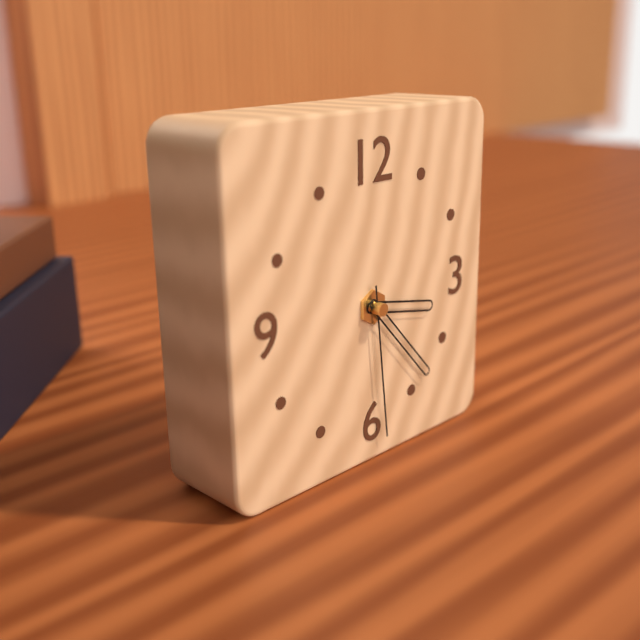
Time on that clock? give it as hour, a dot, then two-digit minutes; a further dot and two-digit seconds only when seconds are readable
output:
3.23.29
